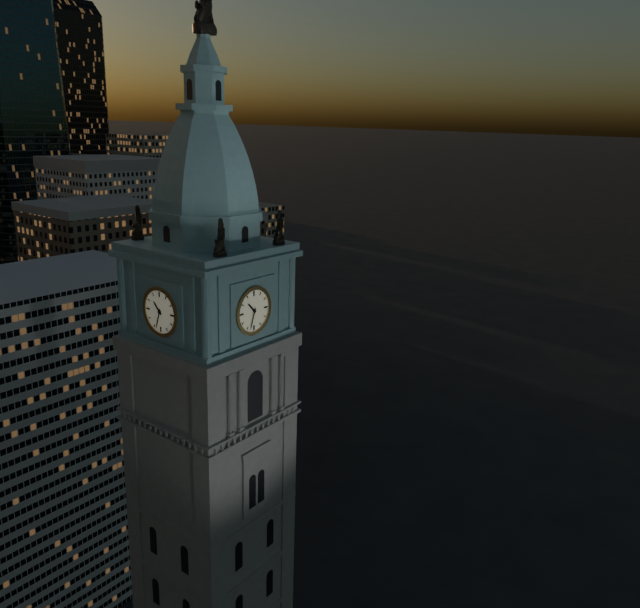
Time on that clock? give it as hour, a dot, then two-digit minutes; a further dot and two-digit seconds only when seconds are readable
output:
10.33
